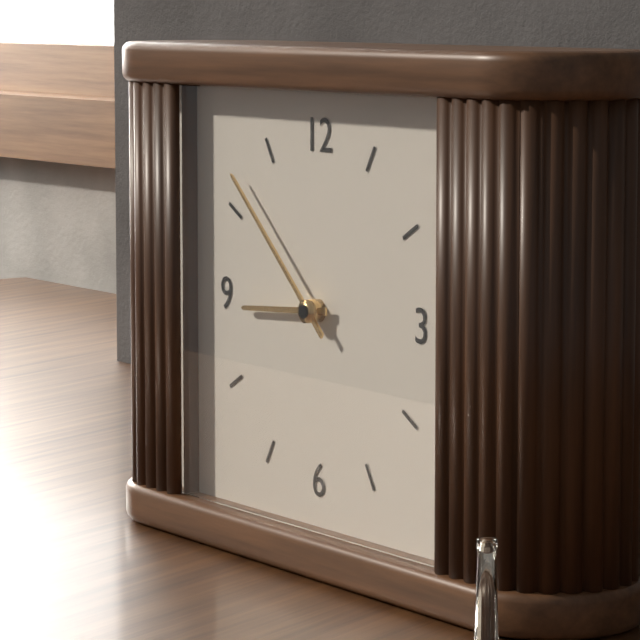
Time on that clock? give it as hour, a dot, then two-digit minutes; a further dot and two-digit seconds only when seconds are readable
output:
8.52
